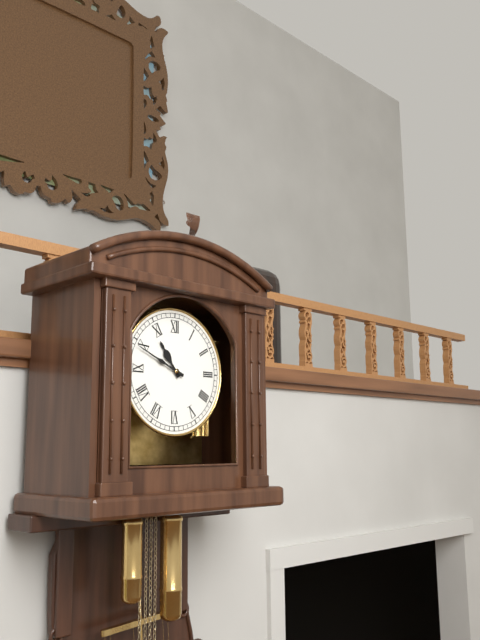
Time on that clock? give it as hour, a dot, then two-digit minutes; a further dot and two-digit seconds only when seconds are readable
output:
10.49
